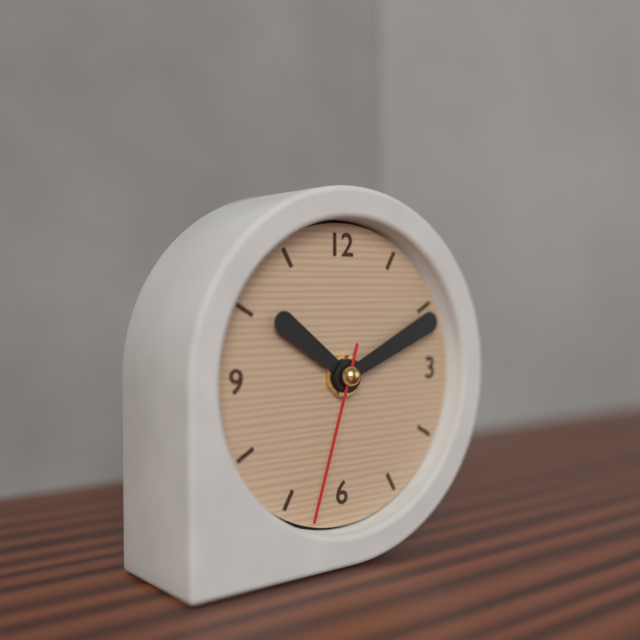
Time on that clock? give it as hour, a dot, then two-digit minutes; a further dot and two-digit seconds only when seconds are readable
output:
10.11.33
